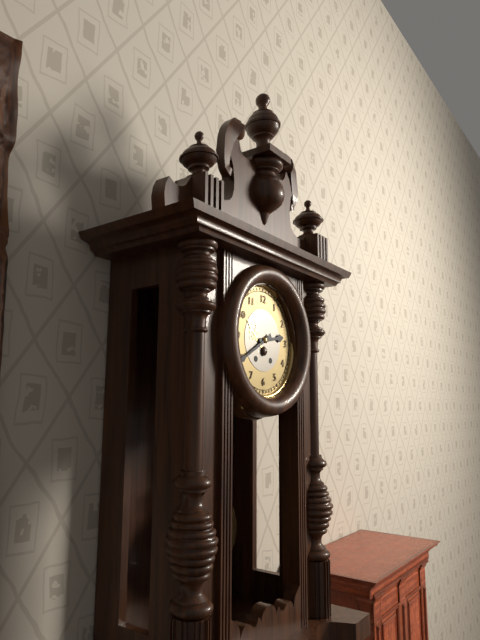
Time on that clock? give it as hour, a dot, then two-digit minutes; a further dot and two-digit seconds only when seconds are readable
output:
2.40
